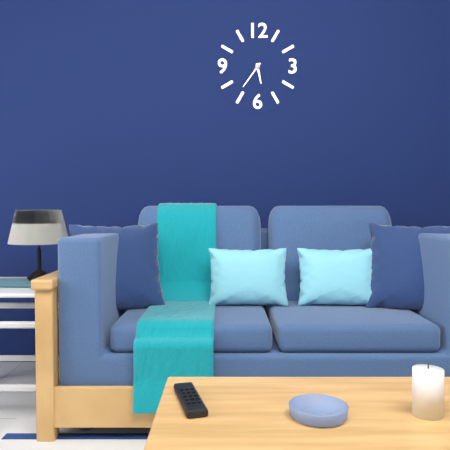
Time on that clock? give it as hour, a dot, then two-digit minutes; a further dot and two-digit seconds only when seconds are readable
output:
5.36
